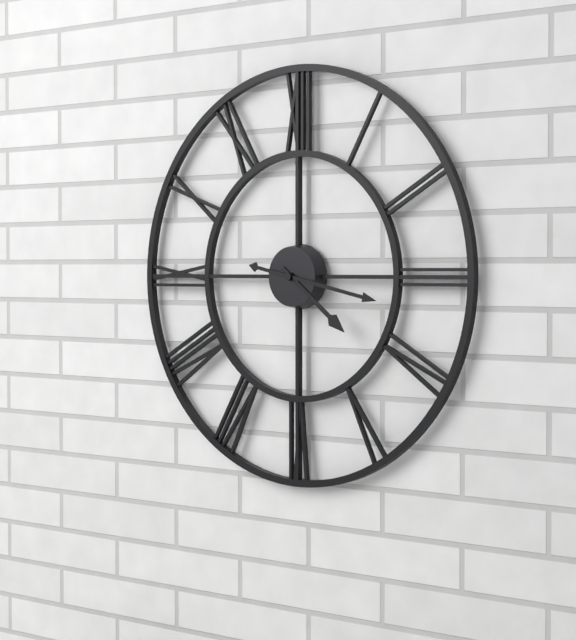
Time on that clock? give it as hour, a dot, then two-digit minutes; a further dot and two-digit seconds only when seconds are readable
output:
4.17
